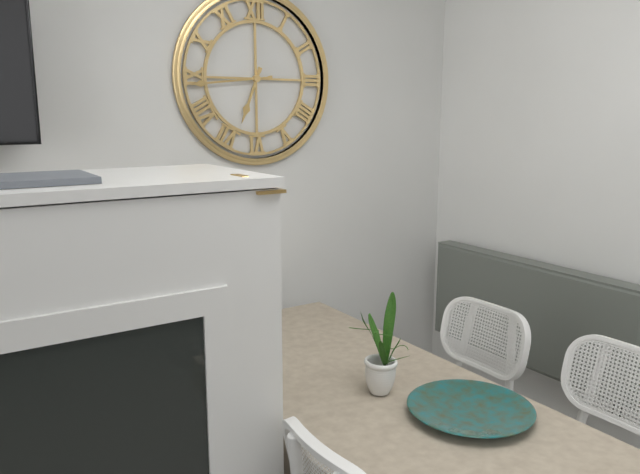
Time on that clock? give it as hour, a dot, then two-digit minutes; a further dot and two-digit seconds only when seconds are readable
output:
6.44
